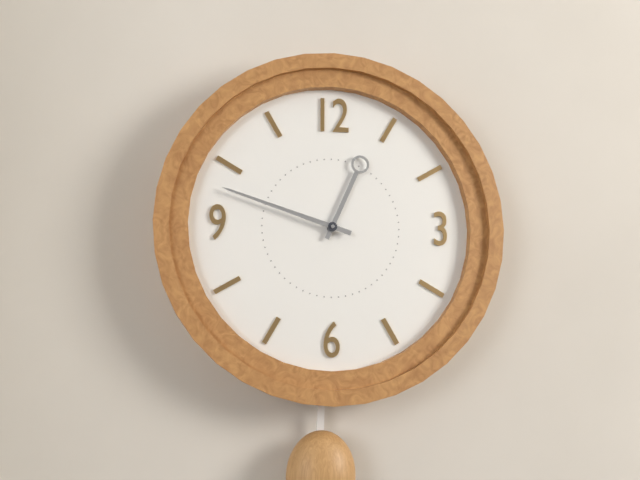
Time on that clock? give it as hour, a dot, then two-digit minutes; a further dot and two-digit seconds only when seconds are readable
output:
12.48
